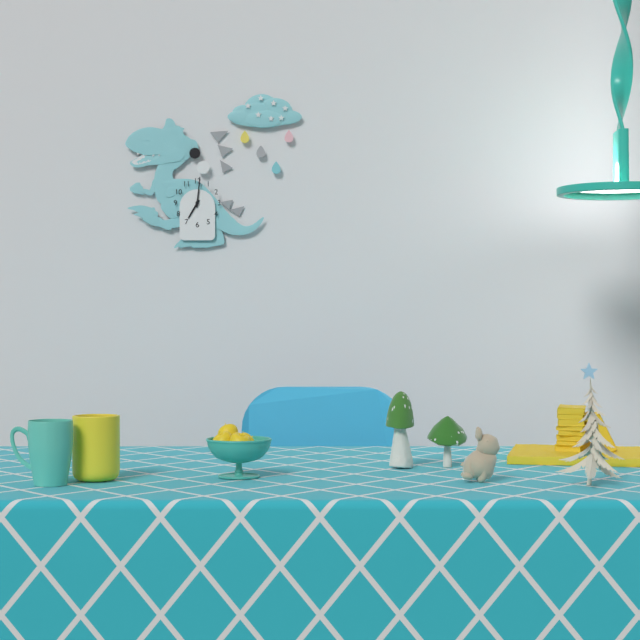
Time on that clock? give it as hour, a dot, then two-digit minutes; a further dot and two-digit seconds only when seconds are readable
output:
7.01
